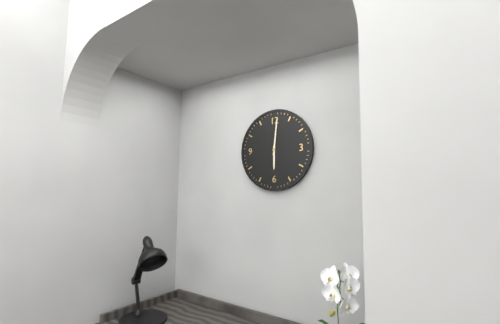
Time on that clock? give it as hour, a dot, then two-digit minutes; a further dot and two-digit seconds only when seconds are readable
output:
6.01
